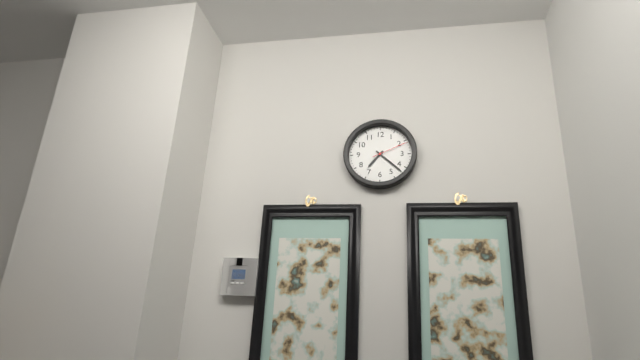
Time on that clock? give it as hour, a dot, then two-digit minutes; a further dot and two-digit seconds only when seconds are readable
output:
7.22
